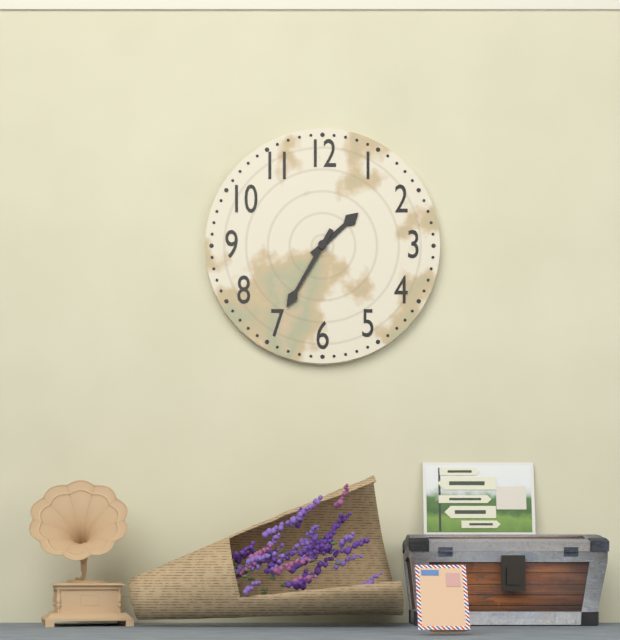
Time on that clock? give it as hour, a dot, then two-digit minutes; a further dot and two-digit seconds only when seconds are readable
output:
1.35
